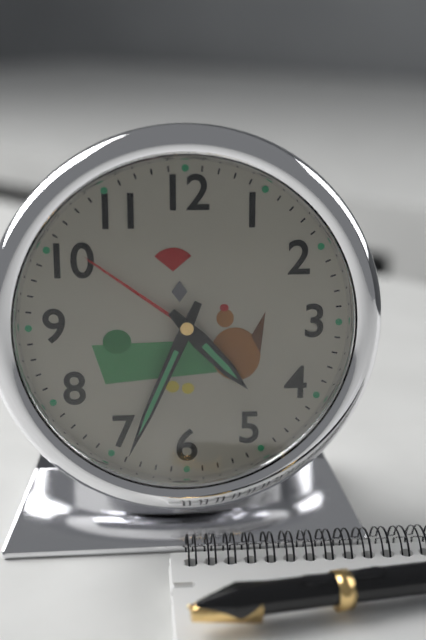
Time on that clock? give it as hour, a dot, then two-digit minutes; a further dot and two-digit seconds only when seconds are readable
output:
4.34
